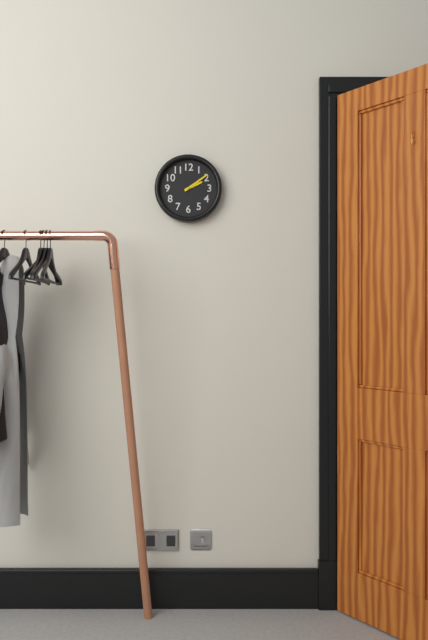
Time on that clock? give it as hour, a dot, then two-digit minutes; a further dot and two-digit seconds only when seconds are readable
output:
2.09
